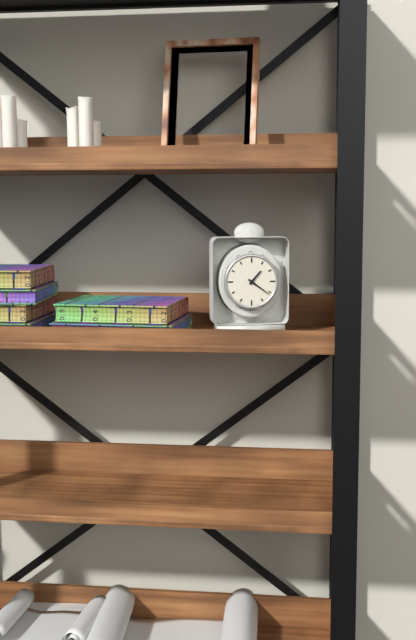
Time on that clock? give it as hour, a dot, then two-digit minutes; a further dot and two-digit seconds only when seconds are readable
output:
1.21
